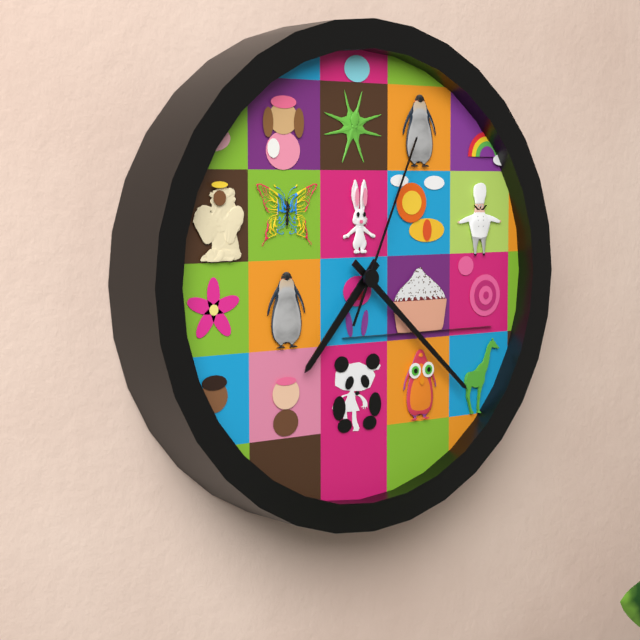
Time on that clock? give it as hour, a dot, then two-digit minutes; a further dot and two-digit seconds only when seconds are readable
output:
7.22.04
